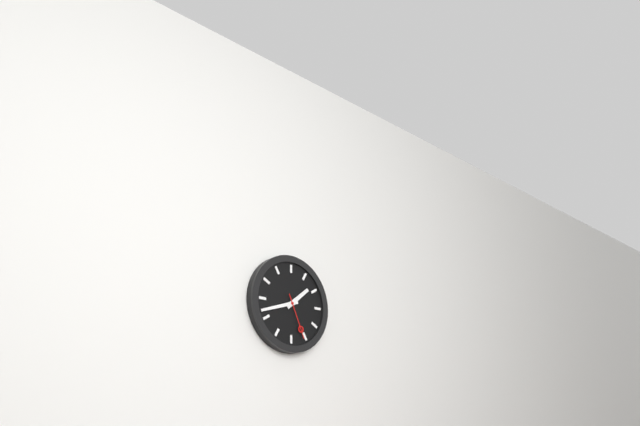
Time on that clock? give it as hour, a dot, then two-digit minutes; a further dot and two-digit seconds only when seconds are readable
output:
1.42
